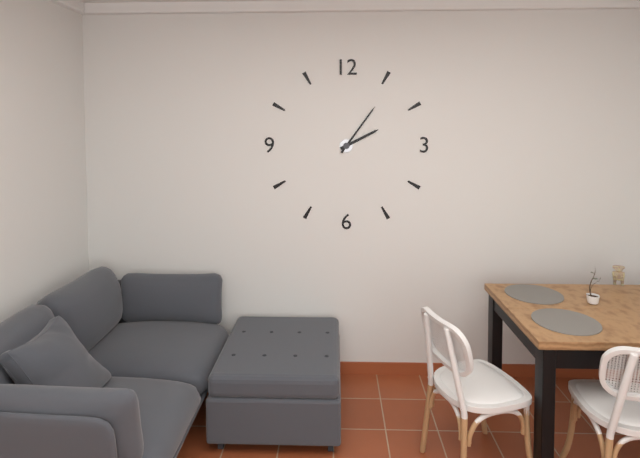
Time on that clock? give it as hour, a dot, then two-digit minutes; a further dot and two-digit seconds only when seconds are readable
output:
2.06
